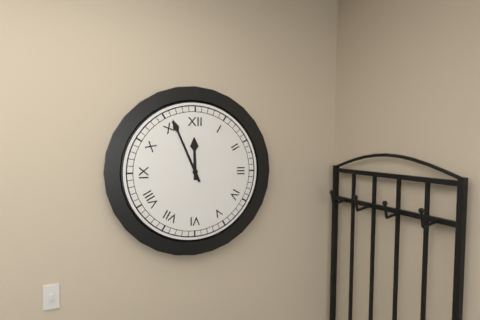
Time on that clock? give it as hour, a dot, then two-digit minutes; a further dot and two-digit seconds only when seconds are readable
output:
11.56
